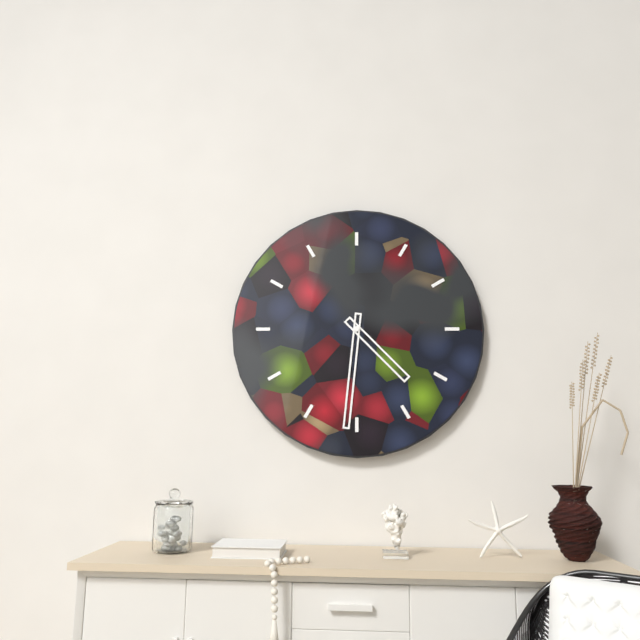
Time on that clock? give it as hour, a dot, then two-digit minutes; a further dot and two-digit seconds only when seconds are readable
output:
4.31
